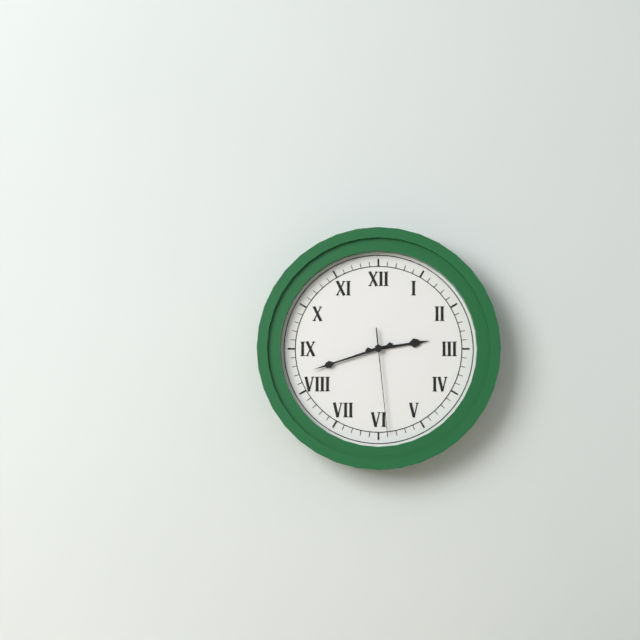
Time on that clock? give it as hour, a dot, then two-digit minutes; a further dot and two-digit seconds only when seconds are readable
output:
2.42.29
